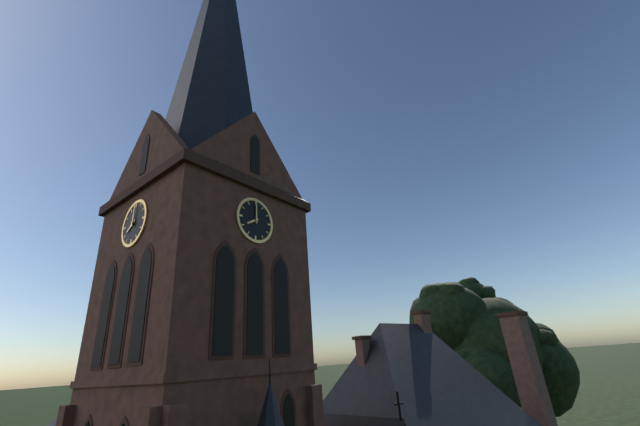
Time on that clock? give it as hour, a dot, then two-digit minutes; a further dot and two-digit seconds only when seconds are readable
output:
8.00
